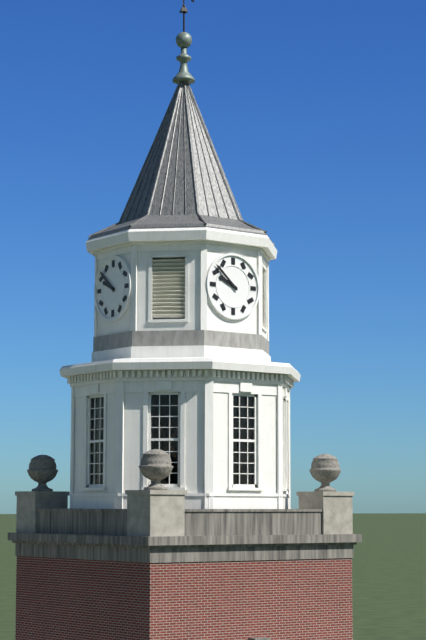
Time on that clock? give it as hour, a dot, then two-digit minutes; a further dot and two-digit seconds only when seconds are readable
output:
9.52
